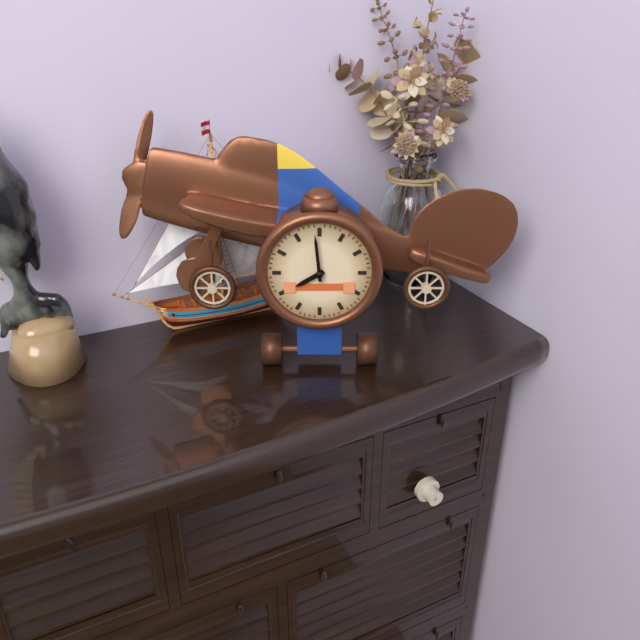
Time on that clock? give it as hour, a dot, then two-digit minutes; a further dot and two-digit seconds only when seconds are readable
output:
7.59
